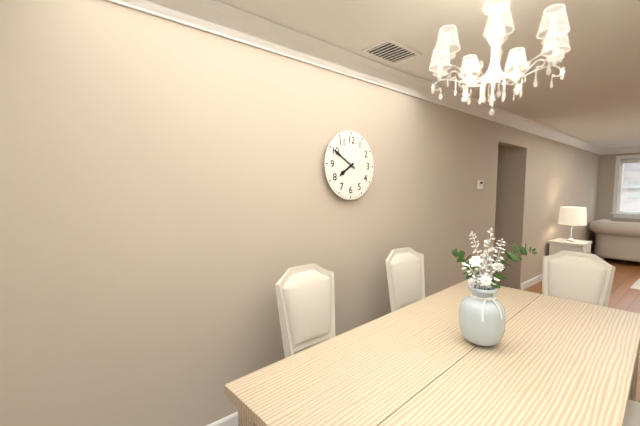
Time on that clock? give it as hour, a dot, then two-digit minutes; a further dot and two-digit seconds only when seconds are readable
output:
7.50
